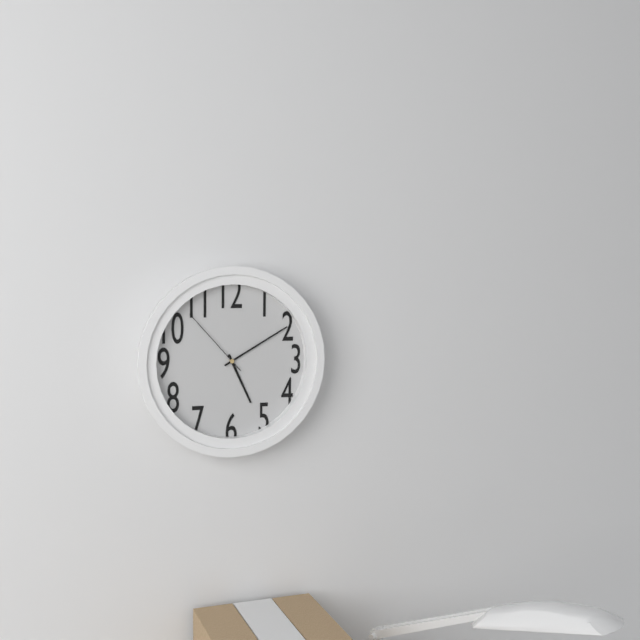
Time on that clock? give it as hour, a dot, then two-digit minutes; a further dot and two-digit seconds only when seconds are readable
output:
5.10.53
